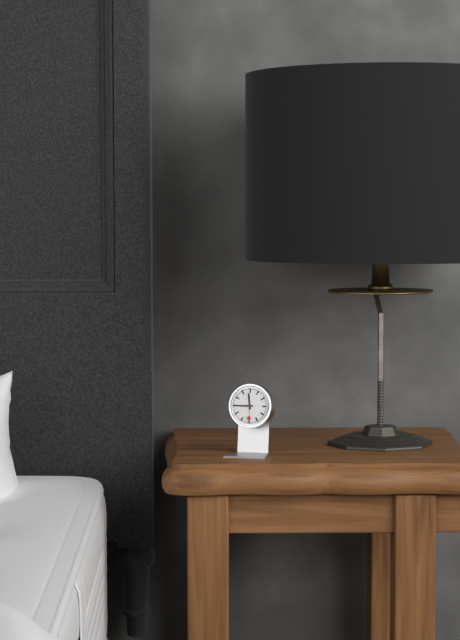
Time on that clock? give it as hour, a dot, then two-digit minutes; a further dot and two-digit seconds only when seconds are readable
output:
11.45
